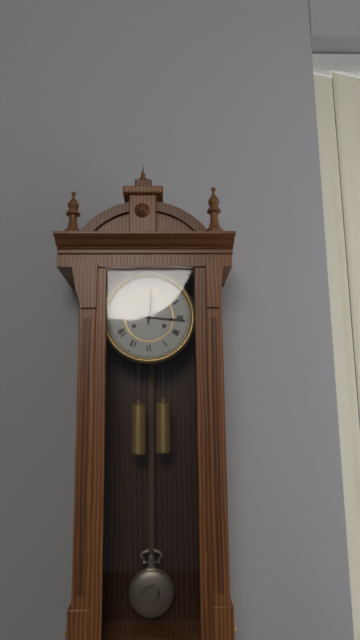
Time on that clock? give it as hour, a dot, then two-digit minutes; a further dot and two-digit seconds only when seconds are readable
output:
12.16
